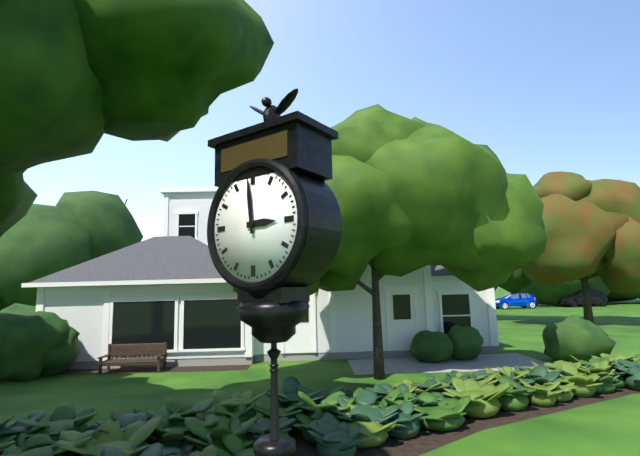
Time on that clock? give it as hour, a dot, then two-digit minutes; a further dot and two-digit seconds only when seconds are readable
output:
2.59
